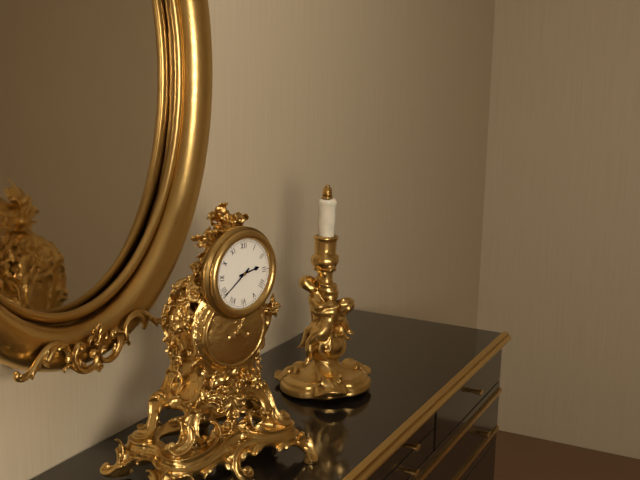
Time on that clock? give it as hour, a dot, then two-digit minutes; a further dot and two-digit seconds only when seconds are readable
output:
2.39
